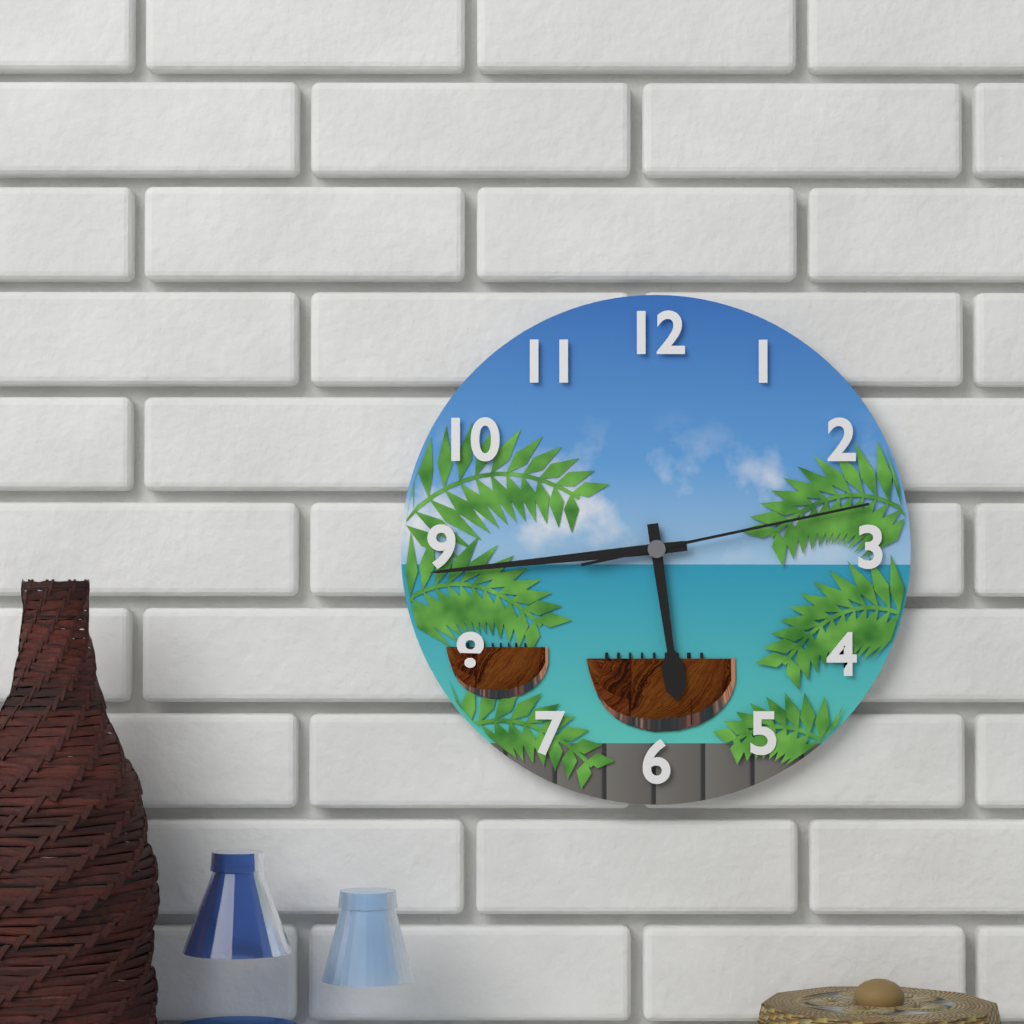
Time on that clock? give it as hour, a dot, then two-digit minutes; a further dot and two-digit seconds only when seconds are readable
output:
5.44.13
